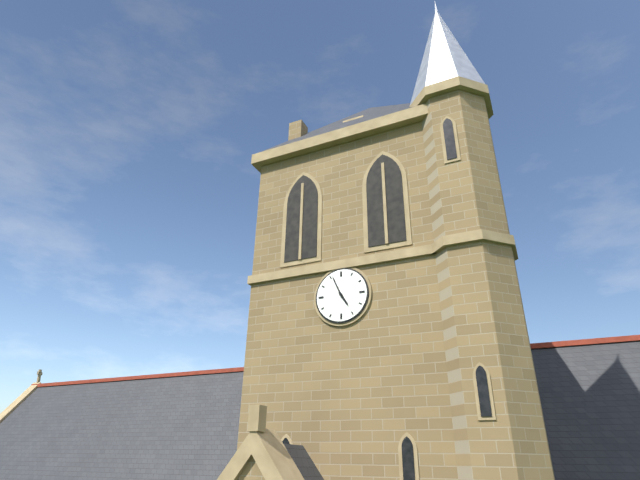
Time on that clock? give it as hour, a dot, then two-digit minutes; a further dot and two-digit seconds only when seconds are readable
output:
4.56
